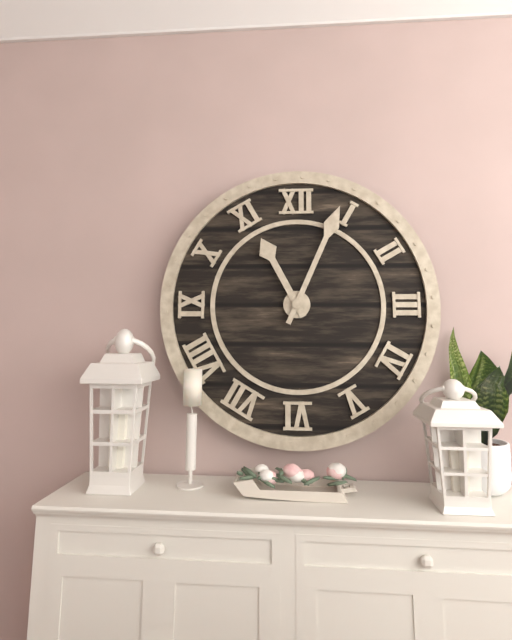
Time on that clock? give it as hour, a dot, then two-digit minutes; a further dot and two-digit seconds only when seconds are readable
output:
11.04
